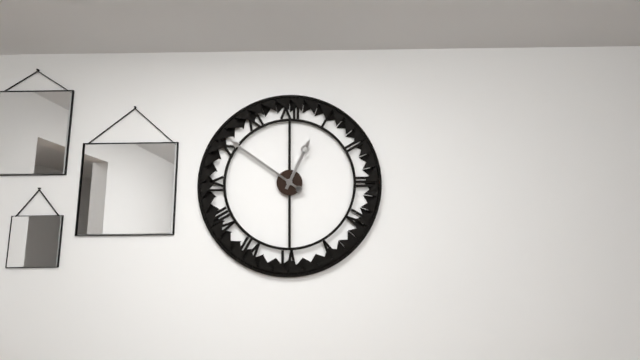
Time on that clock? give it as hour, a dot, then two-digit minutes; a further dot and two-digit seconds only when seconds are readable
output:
12.51
